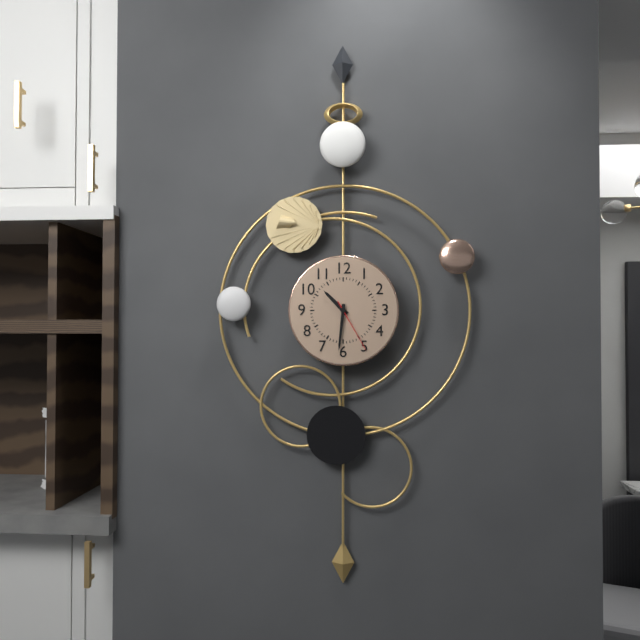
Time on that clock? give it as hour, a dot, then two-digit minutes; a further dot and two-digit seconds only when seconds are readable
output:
10.31.25
